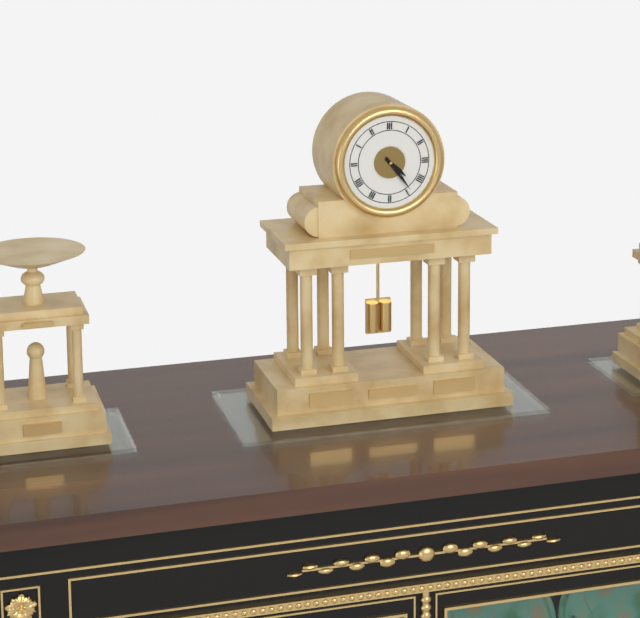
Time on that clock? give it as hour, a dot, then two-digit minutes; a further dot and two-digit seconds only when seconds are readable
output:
4.24
